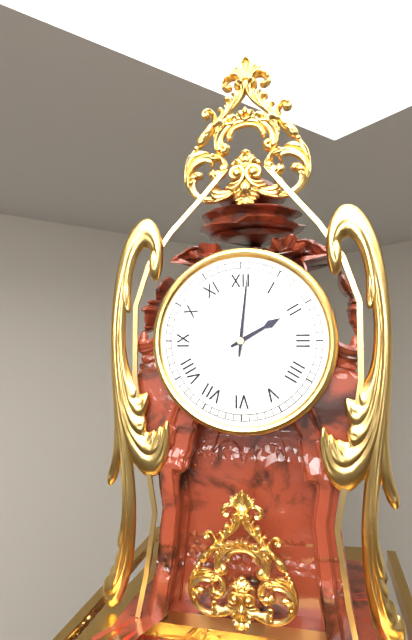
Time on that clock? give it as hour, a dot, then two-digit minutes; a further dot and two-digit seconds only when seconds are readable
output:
2.01
